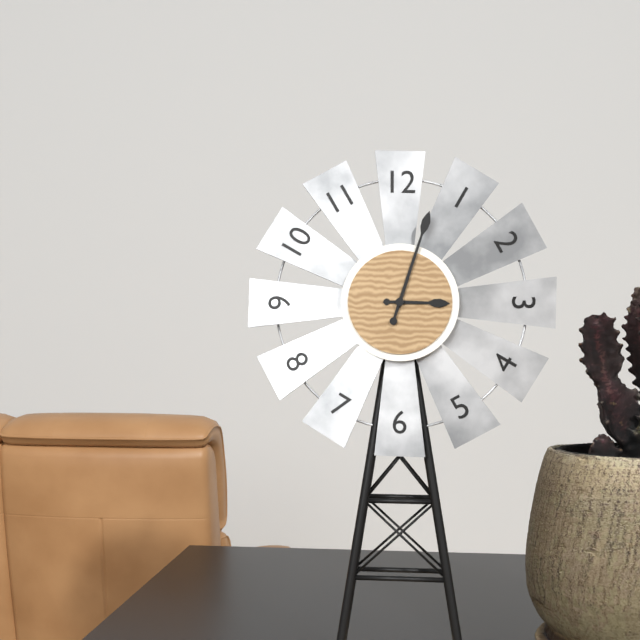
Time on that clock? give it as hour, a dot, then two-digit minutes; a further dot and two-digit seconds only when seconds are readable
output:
3.03
